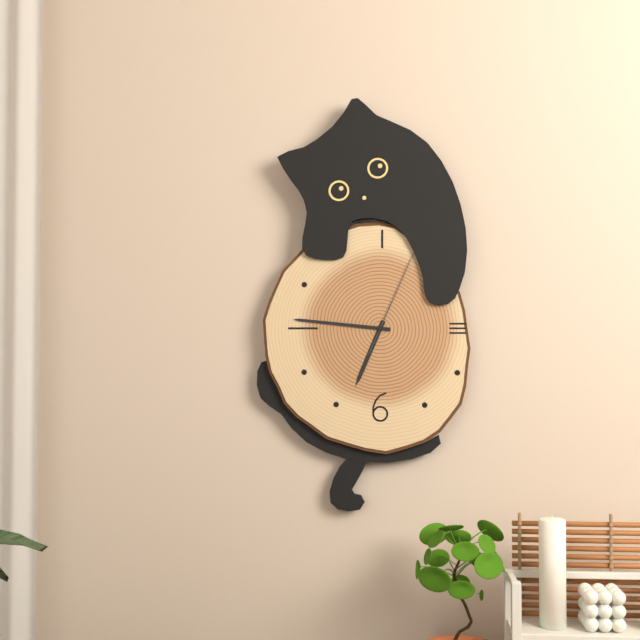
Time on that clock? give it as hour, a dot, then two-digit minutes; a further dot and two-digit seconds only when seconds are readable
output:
6.46.04
